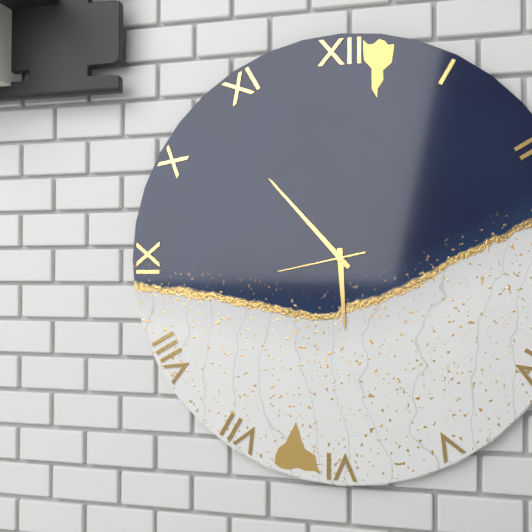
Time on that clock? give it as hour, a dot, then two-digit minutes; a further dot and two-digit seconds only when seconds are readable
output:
5.53.43
